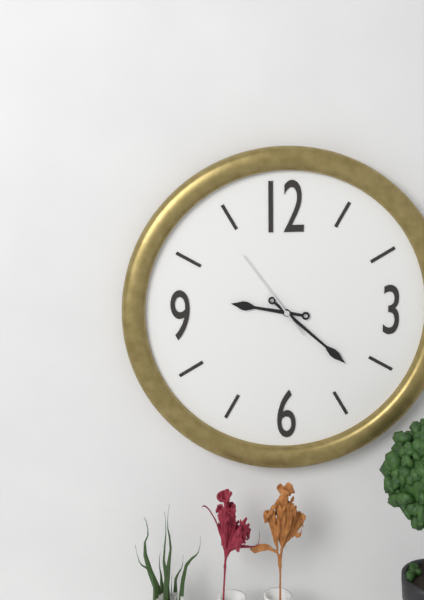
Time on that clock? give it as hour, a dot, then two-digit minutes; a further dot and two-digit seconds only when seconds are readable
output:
9.22.54
